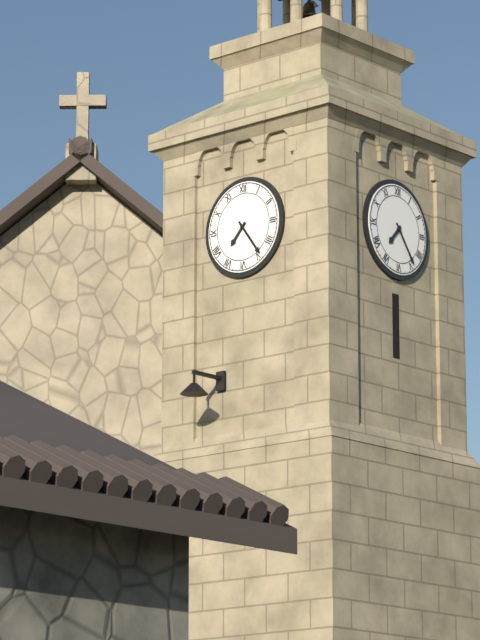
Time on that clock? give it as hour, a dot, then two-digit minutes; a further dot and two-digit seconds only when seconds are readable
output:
7.24
